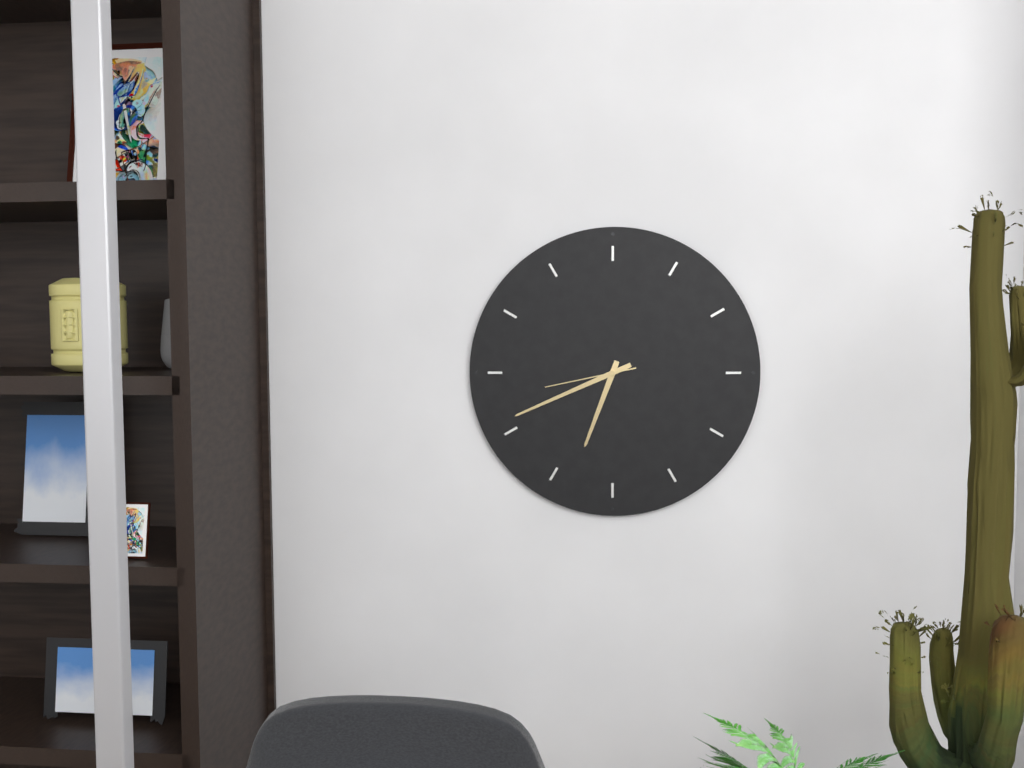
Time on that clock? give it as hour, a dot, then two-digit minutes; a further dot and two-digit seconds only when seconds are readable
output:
6.41.43
